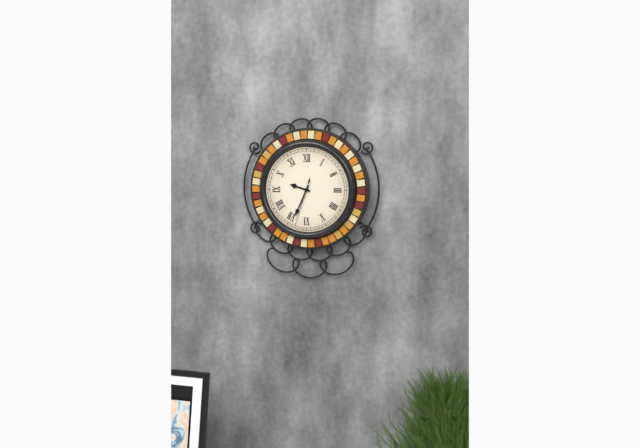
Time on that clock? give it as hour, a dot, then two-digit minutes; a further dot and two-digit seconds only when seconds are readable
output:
9.34.33
